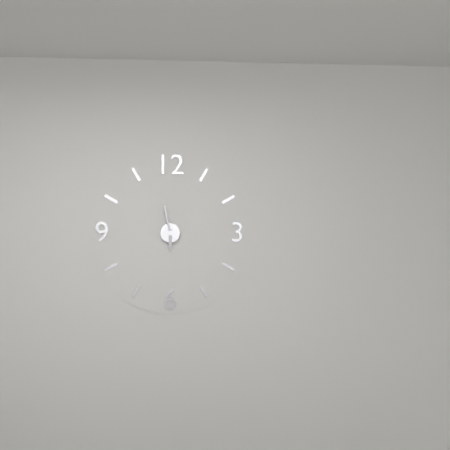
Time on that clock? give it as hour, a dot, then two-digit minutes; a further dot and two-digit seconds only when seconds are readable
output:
5.58
